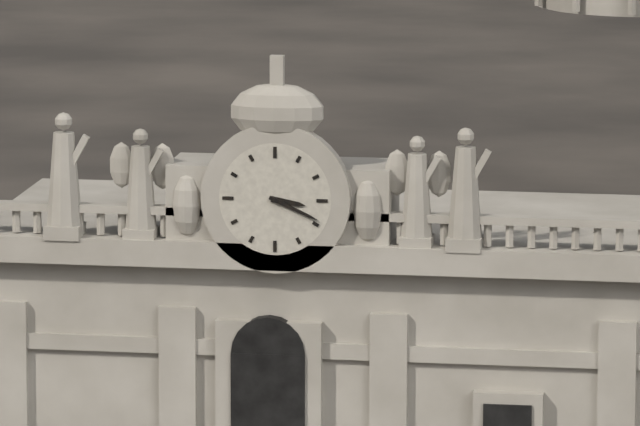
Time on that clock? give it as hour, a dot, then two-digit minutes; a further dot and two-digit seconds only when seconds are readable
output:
3.19
